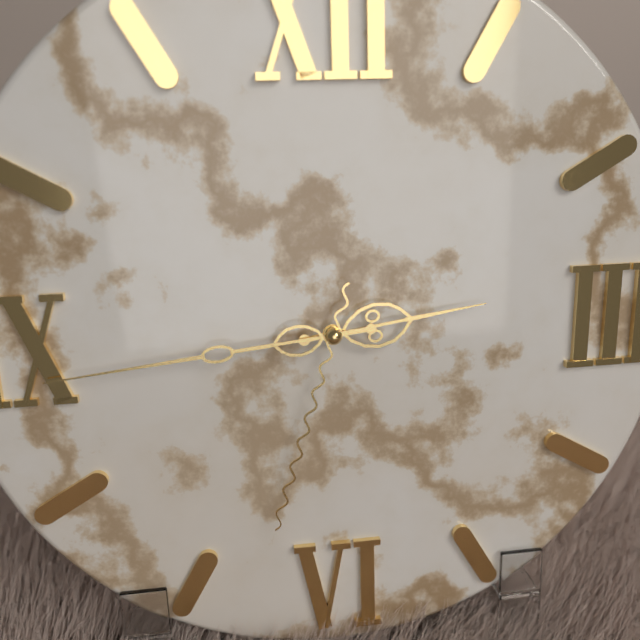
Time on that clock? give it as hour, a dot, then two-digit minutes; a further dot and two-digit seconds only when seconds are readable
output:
2.44.33
